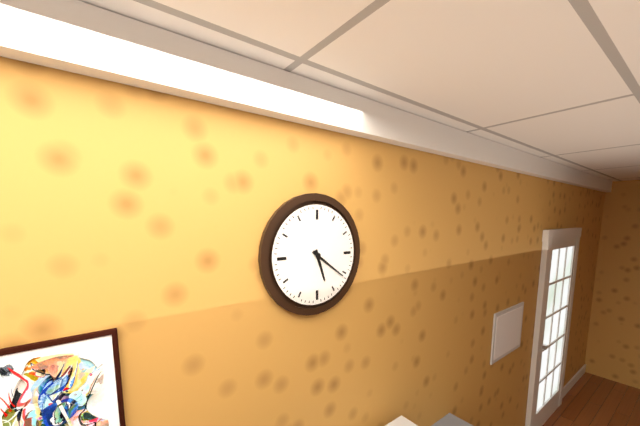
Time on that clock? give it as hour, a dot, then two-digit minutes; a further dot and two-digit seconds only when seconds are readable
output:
5.21
